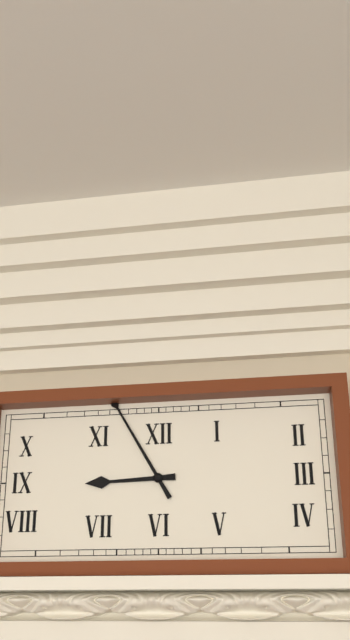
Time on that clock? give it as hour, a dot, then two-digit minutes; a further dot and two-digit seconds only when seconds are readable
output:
8.55
